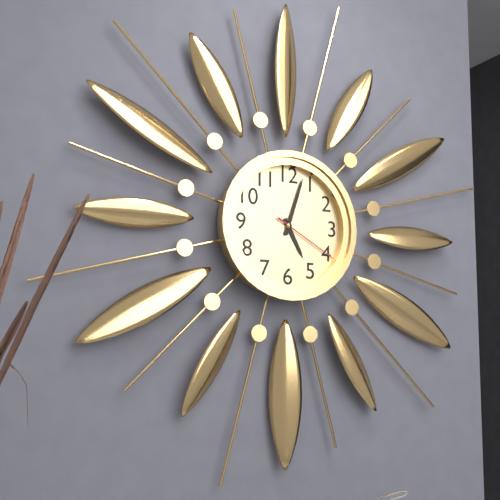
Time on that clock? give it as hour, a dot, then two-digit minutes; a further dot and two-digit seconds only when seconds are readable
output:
5.03.20
